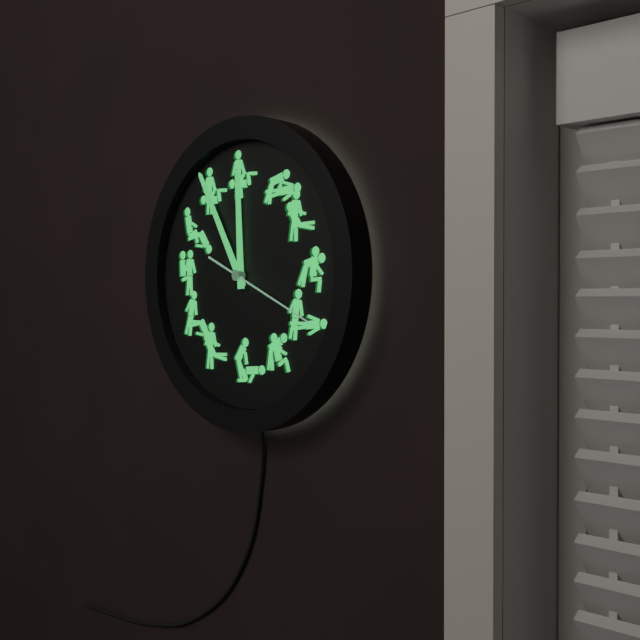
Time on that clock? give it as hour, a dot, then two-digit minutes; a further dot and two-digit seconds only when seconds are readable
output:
11.55.19
